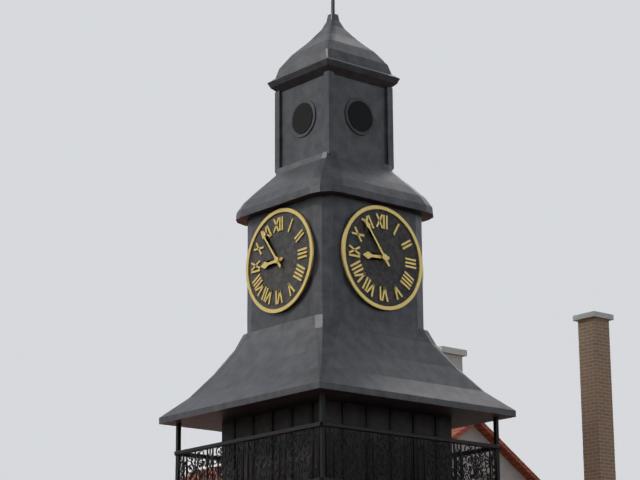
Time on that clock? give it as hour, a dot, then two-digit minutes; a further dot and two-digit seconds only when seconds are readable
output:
8.54
